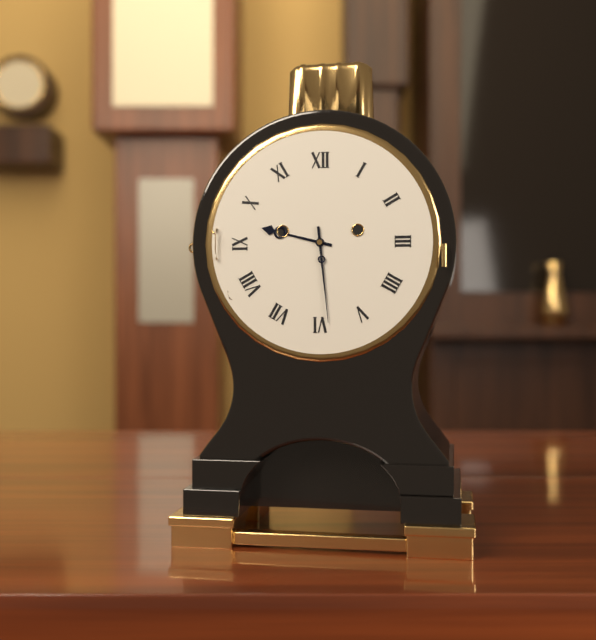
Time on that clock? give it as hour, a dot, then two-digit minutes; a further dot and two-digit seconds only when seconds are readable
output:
9.29
